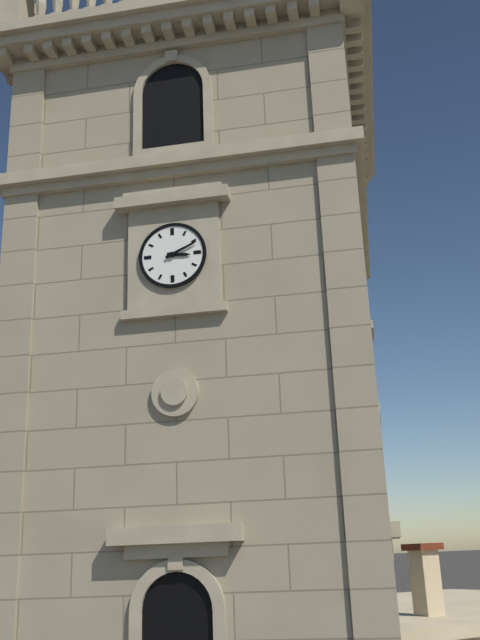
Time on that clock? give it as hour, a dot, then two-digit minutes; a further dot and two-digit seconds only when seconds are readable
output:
3.11
